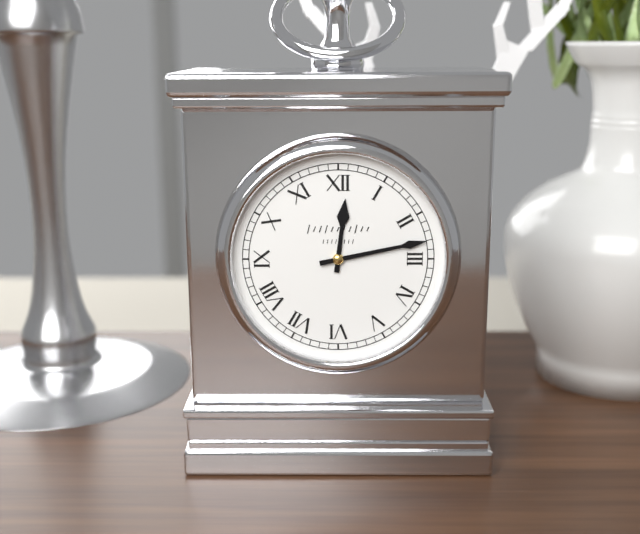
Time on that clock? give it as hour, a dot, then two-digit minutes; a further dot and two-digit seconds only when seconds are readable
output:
12.13
